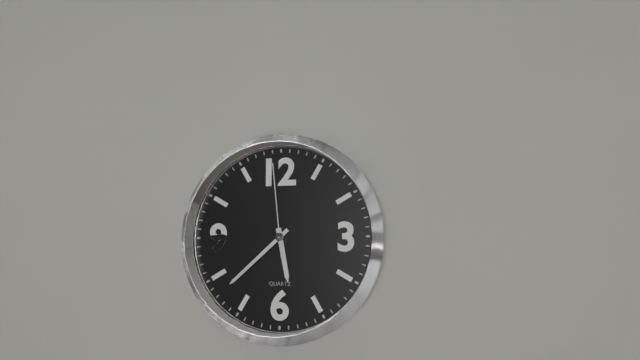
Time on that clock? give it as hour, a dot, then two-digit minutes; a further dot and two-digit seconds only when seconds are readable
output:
5.38.59
